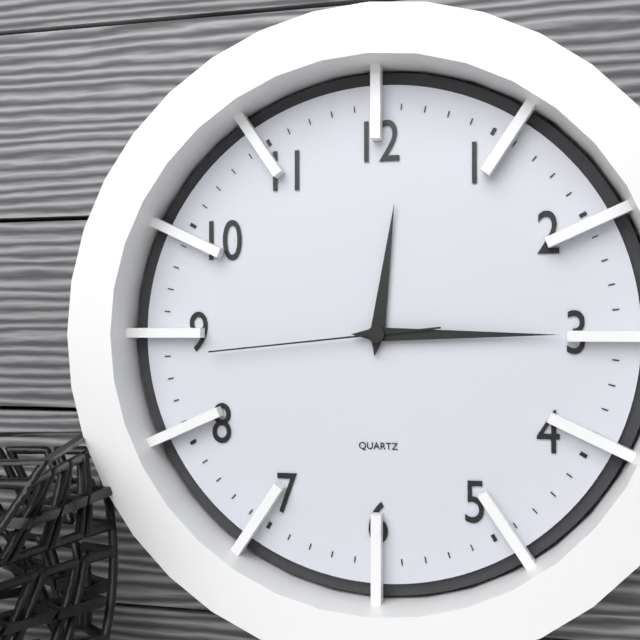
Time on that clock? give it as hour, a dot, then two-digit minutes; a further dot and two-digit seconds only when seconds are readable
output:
12.15.44
